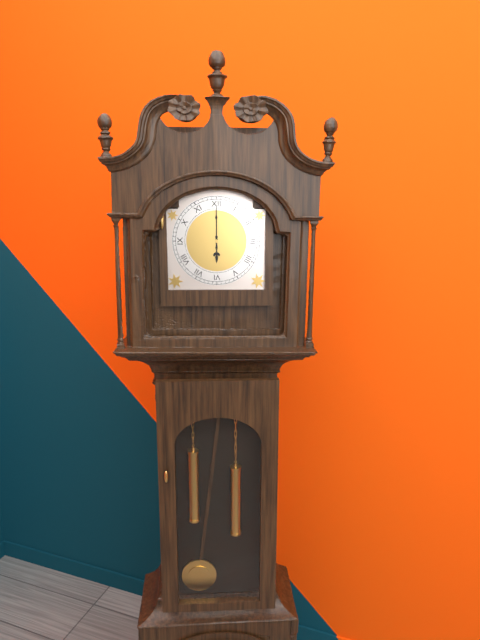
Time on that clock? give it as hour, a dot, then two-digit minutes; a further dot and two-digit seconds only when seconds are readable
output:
6.00
